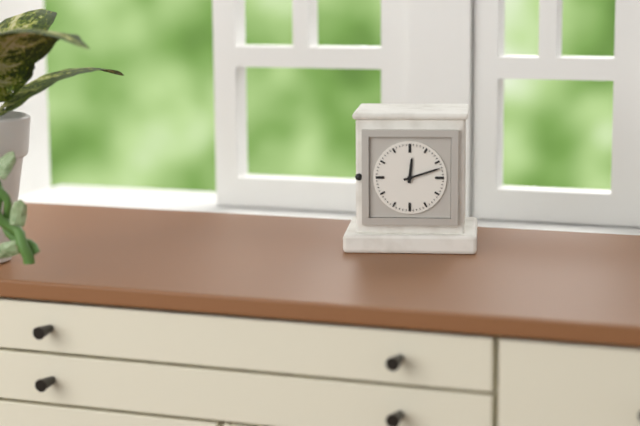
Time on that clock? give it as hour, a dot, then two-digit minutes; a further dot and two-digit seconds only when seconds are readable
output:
12.12
